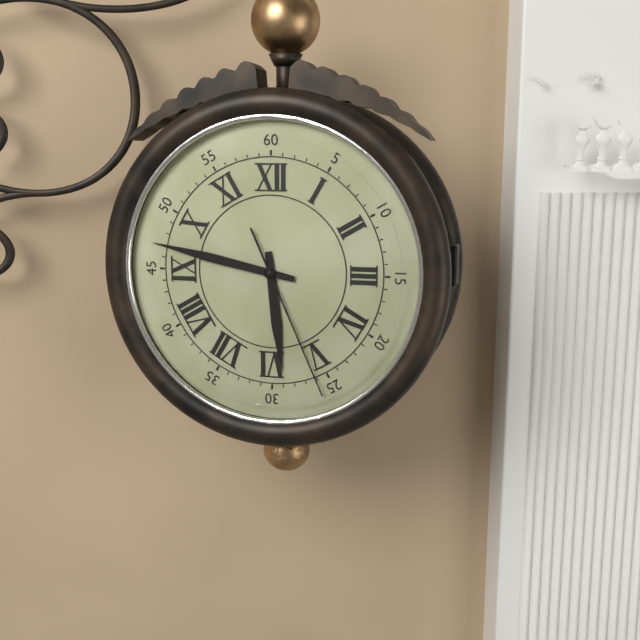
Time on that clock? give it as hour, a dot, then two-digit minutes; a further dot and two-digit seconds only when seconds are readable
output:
5.47.26
